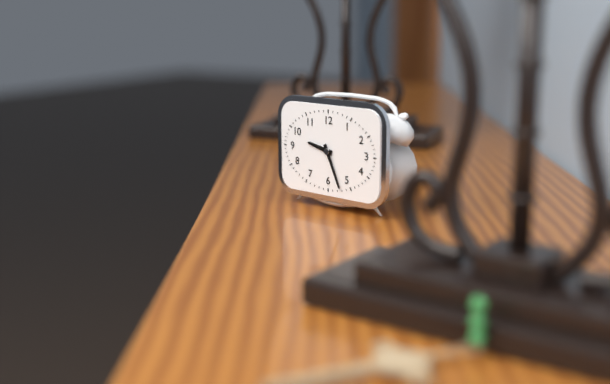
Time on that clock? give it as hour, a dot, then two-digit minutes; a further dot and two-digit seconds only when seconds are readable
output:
9.26
